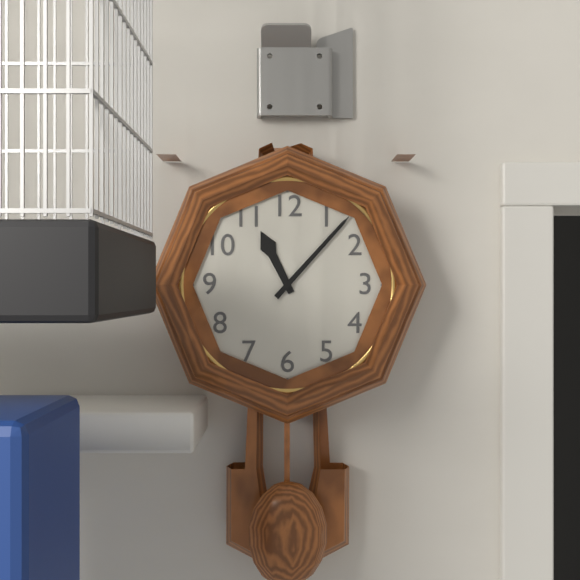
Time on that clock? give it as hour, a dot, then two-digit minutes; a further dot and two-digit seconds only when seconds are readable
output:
11.07
